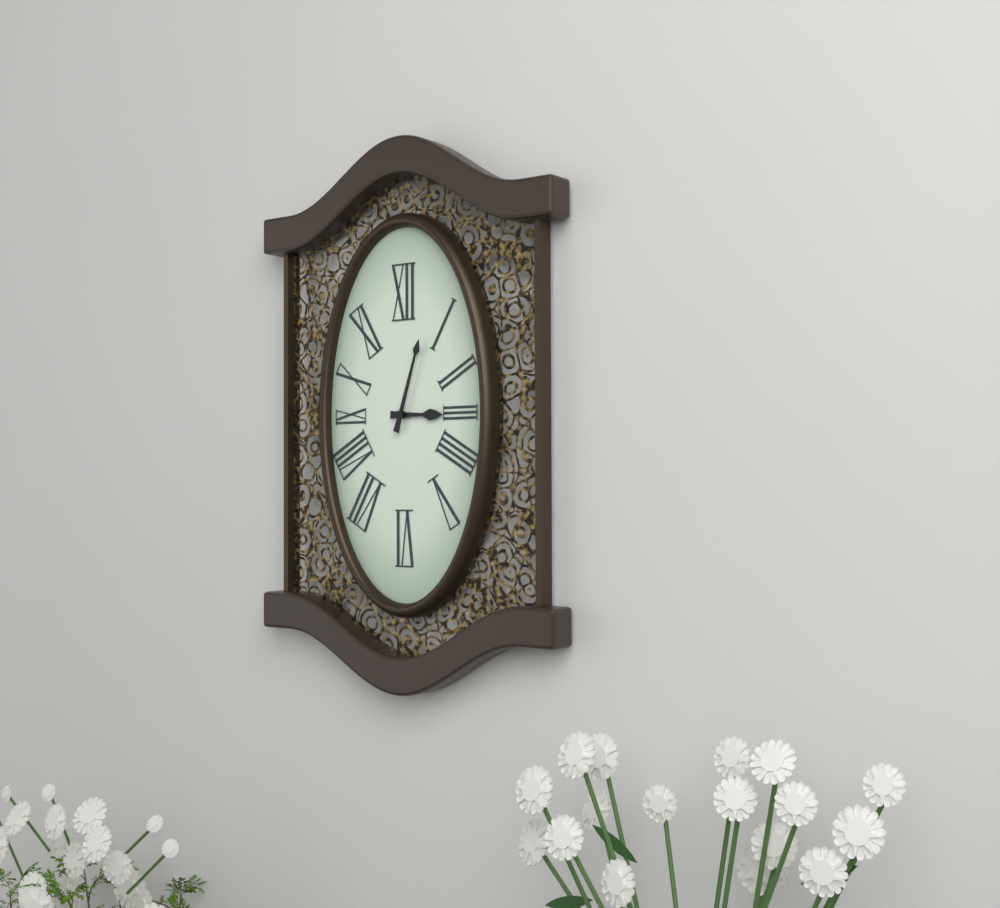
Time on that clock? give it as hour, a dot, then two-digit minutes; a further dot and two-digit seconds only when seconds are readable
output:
3.03
